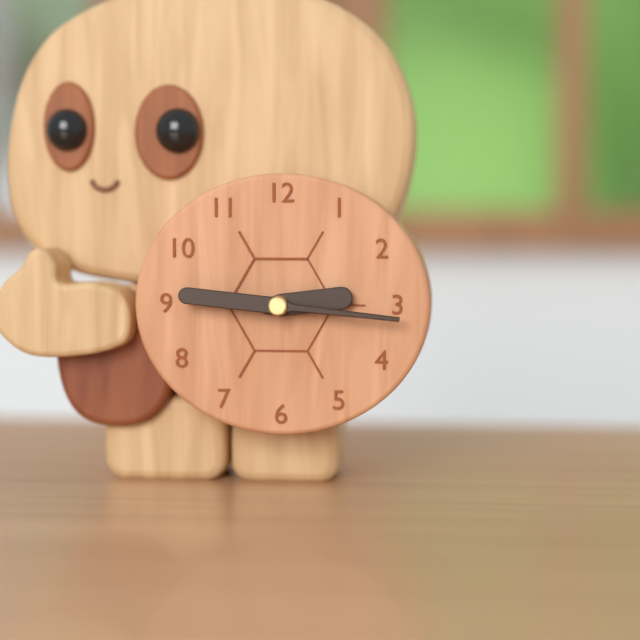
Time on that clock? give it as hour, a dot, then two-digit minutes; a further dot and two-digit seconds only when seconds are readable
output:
2.46
